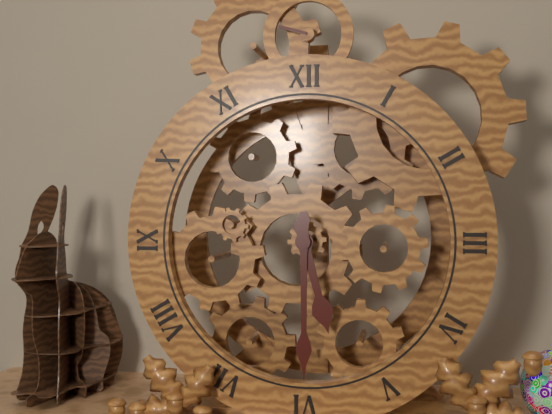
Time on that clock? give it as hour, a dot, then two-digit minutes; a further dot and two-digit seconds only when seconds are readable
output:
5.30
